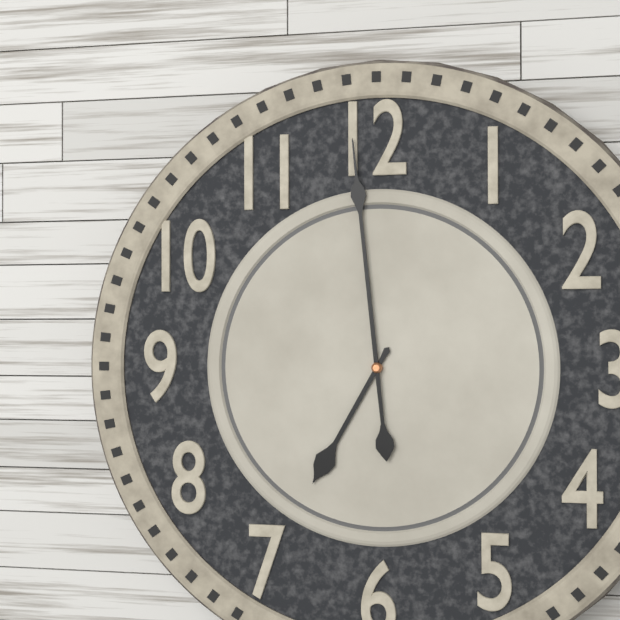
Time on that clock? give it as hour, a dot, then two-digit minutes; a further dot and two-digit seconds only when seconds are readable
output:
6.59
